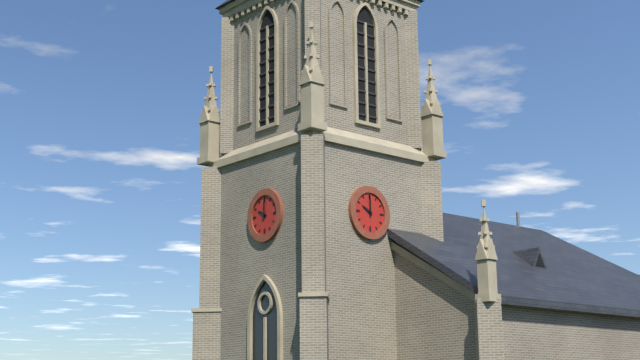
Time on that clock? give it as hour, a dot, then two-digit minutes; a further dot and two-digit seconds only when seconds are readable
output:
10.00
